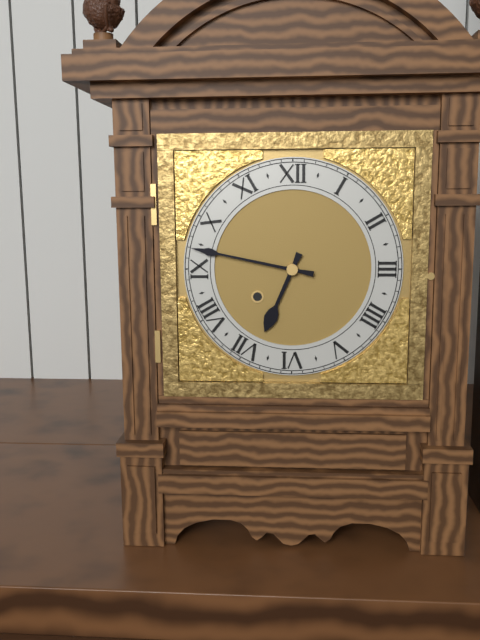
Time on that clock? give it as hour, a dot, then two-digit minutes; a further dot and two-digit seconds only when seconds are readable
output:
6.47
